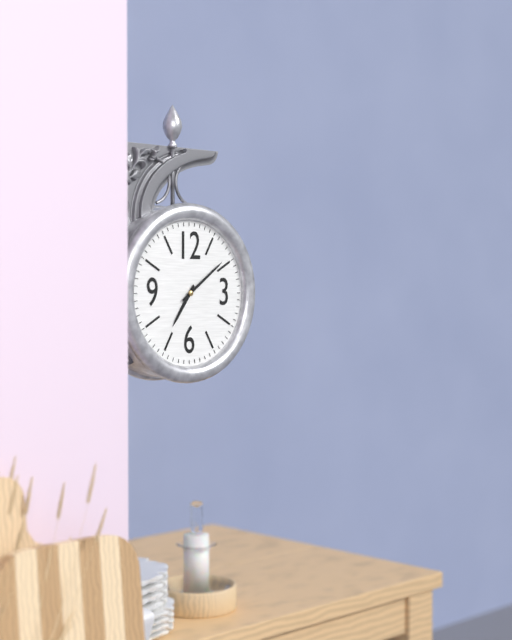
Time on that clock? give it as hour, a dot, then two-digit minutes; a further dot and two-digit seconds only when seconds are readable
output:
7.09
